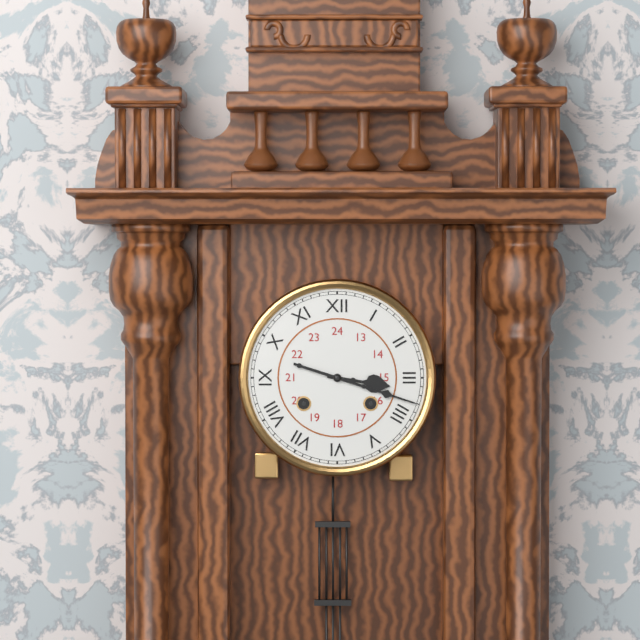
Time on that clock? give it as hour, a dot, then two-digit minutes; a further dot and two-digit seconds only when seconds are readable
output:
3.18
